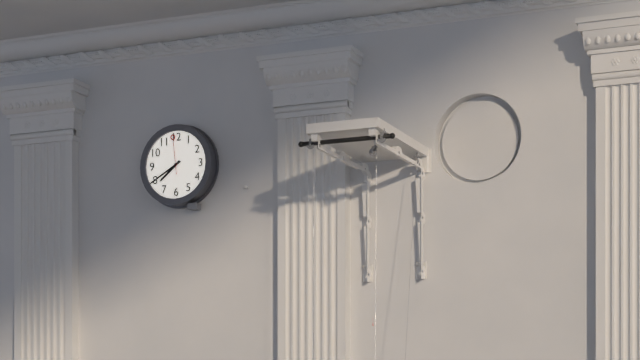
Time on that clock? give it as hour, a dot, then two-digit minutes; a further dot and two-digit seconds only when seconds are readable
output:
7.40
